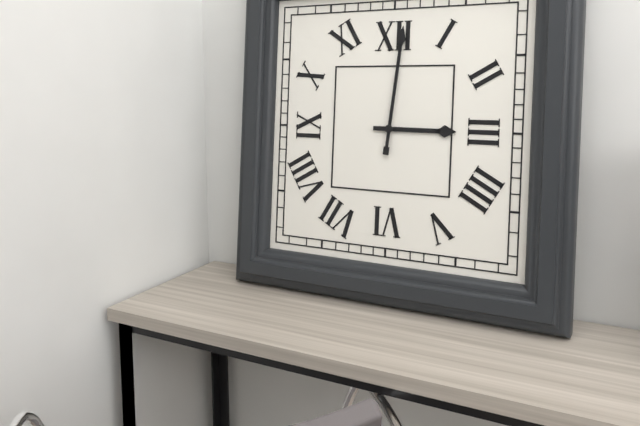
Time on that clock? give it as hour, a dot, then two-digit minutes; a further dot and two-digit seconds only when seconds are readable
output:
3.01
